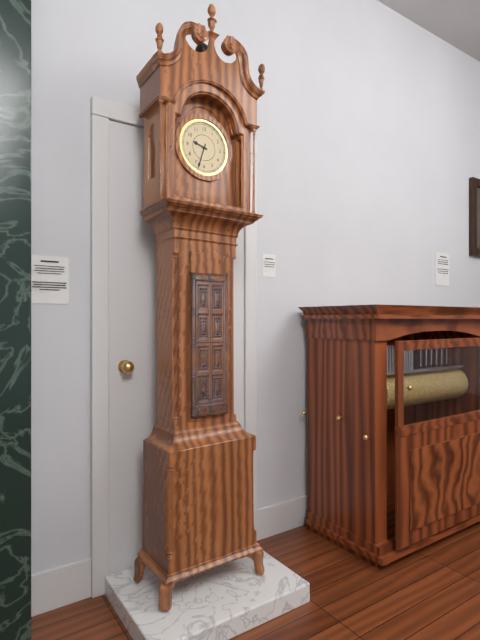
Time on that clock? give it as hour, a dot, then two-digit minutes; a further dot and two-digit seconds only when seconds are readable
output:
9.33
